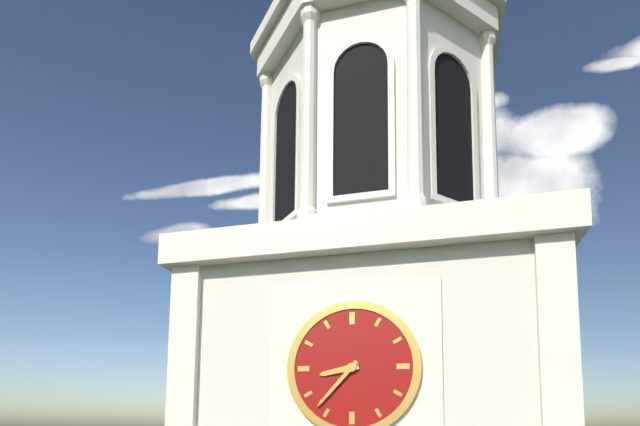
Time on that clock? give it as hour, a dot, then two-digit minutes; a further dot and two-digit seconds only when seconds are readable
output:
8.37
